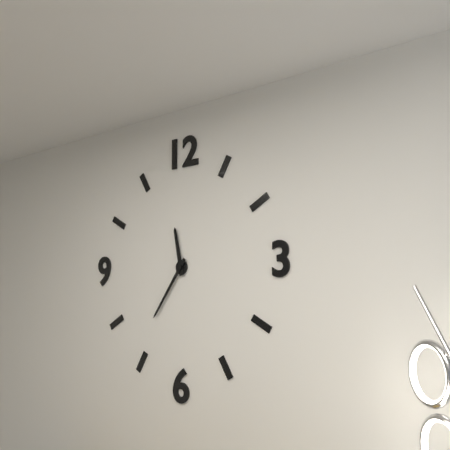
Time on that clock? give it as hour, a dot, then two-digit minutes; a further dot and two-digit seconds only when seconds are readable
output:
11.36
